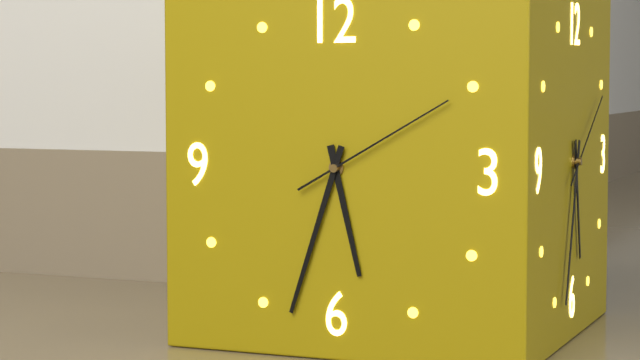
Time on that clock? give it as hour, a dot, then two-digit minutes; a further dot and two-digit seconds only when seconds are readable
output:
5.33.10
